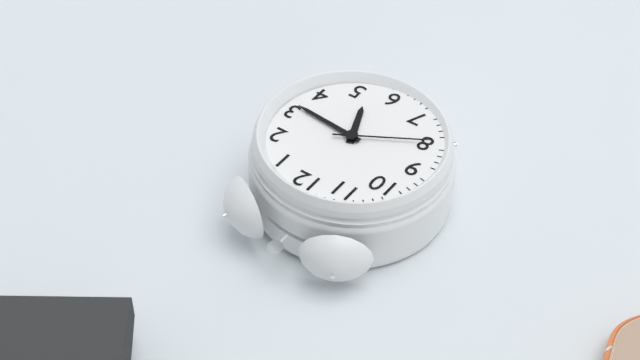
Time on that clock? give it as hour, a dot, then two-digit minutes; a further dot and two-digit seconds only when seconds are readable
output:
5.16.40
